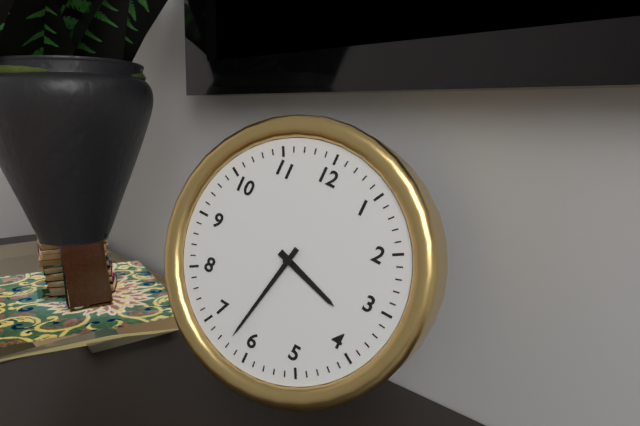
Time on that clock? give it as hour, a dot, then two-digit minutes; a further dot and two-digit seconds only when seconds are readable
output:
3.32
